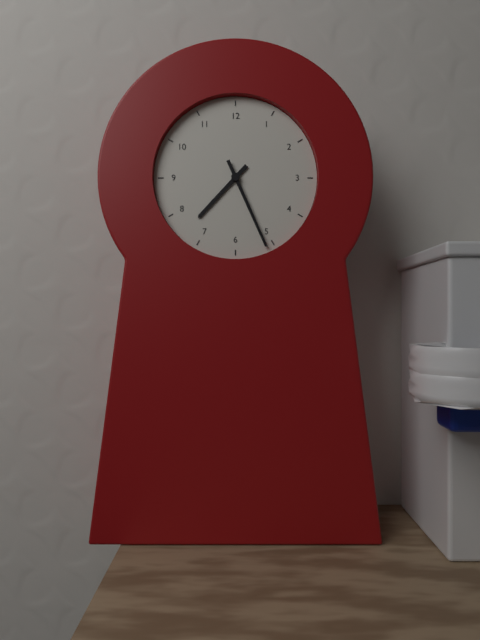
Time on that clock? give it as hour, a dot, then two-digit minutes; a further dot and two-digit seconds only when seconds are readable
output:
7.26
